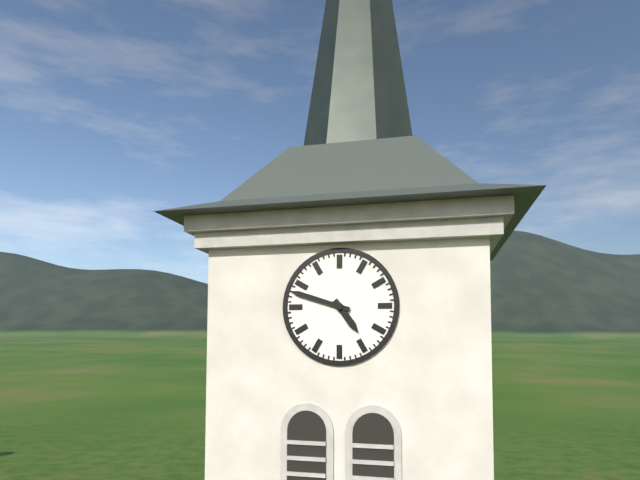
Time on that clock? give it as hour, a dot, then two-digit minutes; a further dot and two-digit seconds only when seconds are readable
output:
4.48
